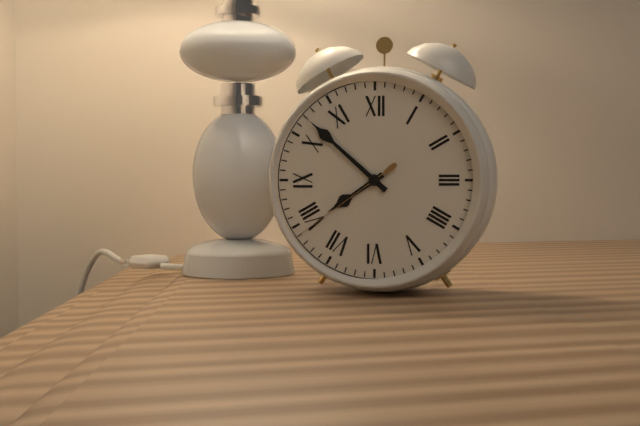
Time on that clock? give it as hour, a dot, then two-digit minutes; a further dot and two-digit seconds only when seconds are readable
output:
7.52.39
